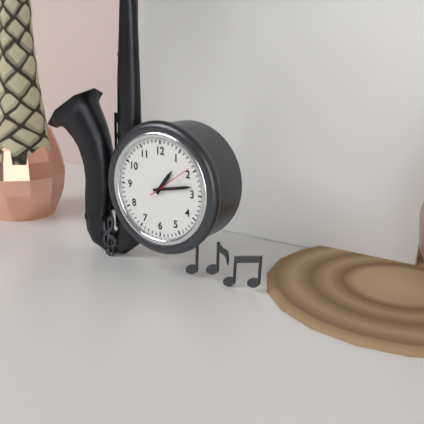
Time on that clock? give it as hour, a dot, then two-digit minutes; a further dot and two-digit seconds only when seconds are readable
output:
1.13
